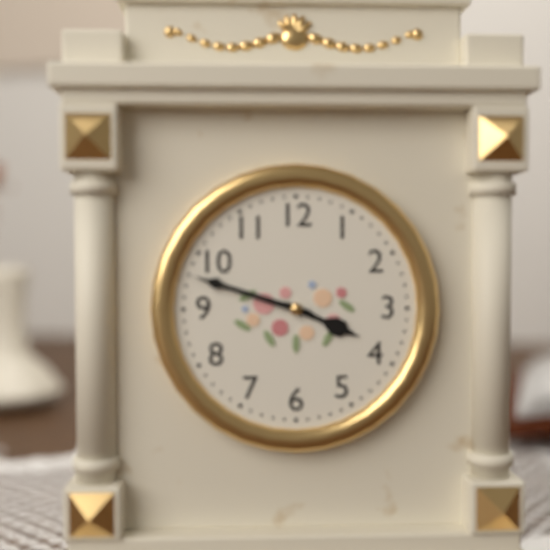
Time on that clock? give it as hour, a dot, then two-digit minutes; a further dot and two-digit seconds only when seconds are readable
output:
3.48
